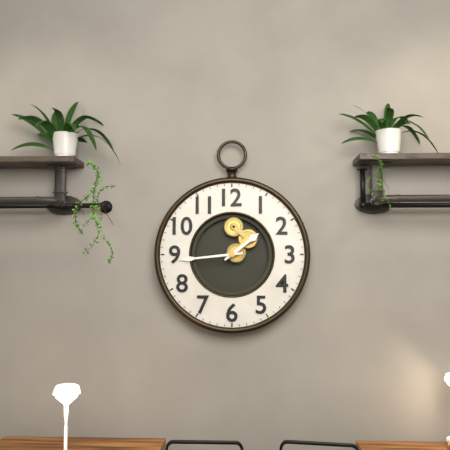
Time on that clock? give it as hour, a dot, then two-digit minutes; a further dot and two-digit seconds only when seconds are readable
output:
1.44
